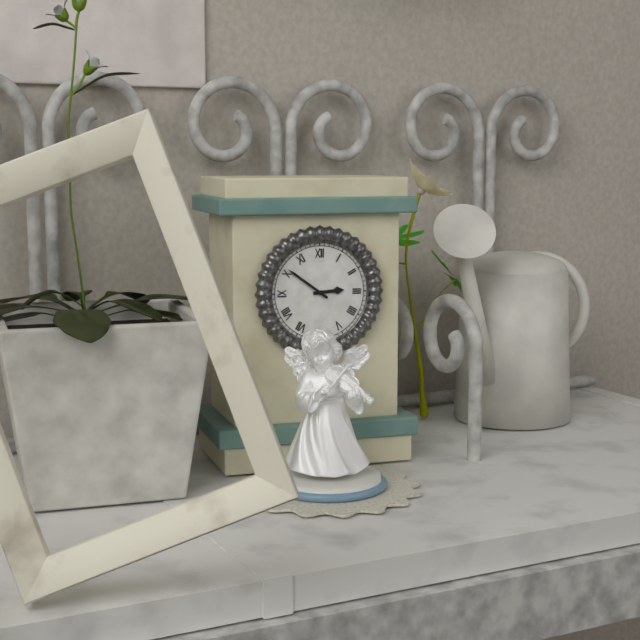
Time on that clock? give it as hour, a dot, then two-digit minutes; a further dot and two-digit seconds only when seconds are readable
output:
2.51
